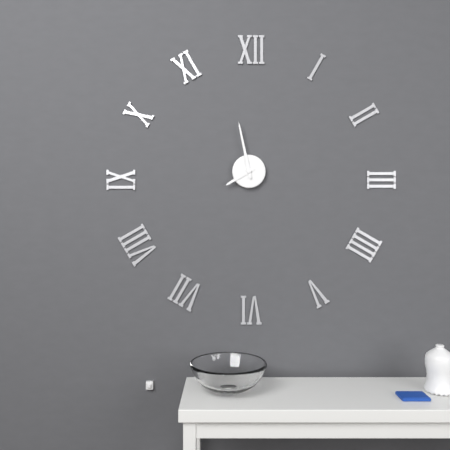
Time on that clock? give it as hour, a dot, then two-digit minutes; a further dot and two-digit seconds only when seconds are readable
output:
7.58
